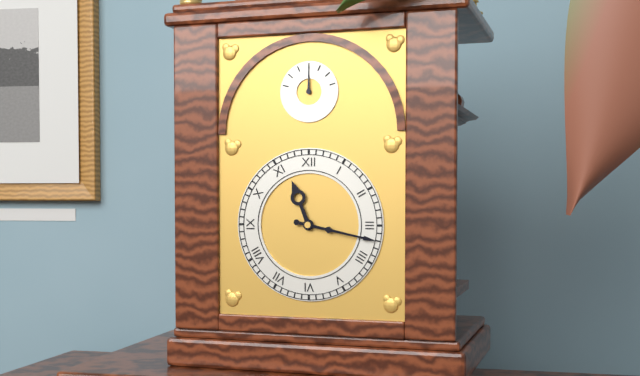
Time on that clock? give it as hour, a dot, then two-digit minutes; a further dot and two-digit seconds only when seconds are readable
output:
11.17
